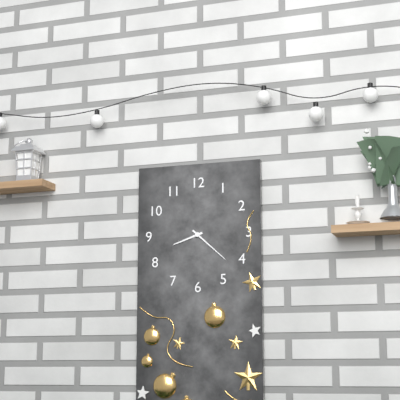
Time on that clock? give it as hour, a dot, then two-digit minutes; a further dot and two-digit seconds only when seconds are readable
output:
8.22
